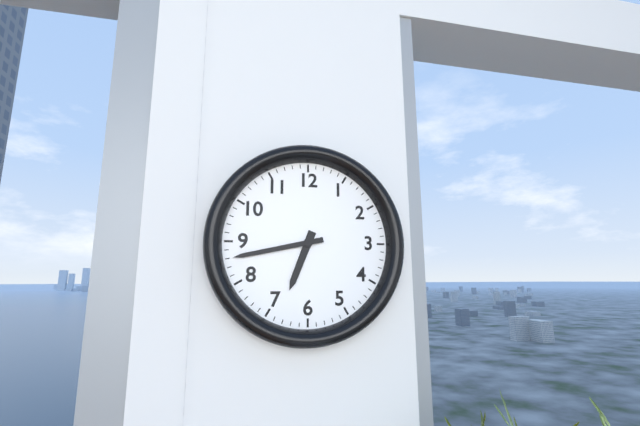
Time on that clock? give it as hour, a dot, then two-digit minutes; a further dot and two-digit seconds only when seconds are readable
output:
6.43
